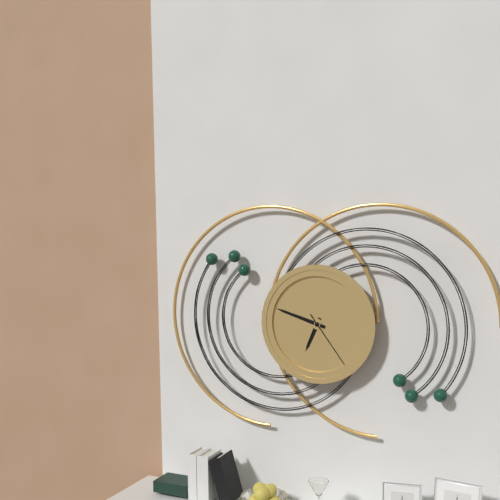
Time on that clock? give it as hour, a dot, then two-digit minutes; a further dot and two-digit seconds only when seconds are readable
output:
6.48.24
